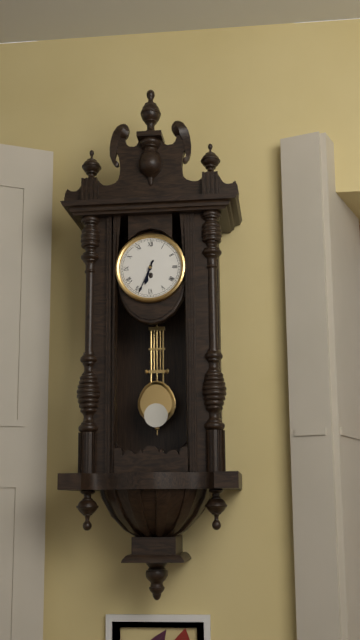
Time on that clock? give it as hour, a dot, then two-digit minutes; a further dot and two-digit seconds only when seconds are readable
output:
6.34
